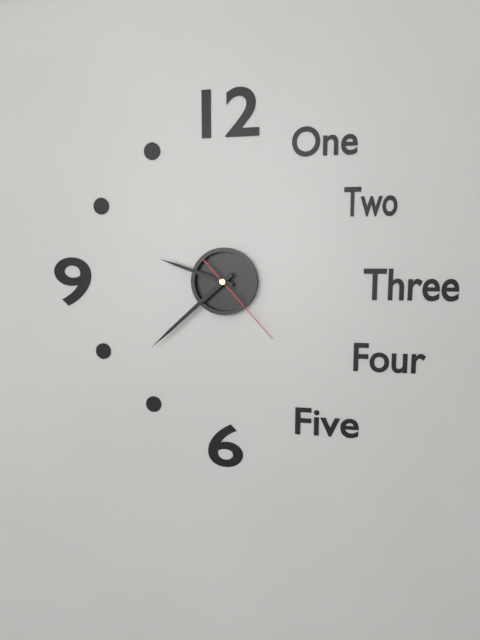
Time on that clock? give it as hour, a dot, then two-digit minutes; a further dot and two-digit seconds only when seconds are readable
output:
9.38.23
